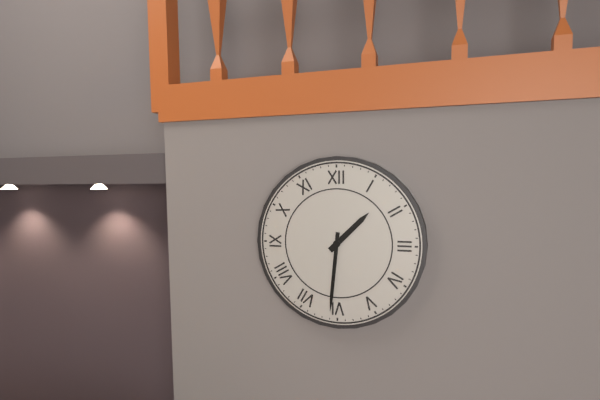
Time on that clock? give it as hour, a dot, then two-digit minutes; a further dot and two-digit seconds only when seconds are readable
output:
1.31
